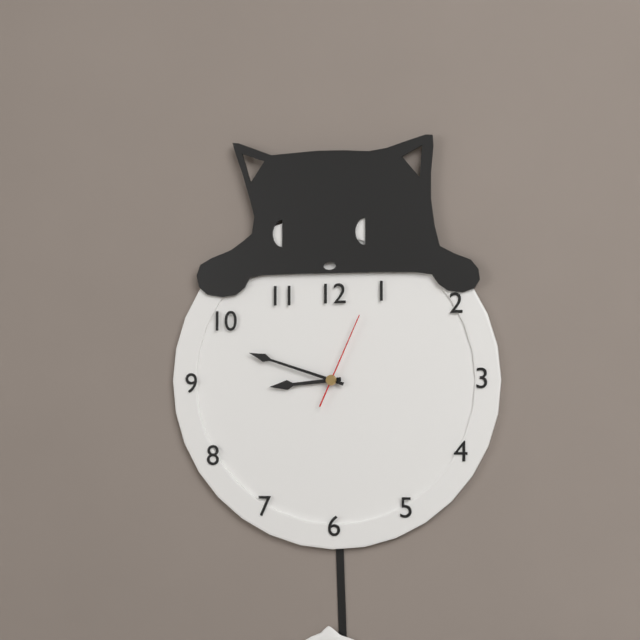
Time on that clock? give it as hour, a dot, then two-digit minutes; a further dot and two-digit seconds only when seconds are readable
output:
8.48.04
